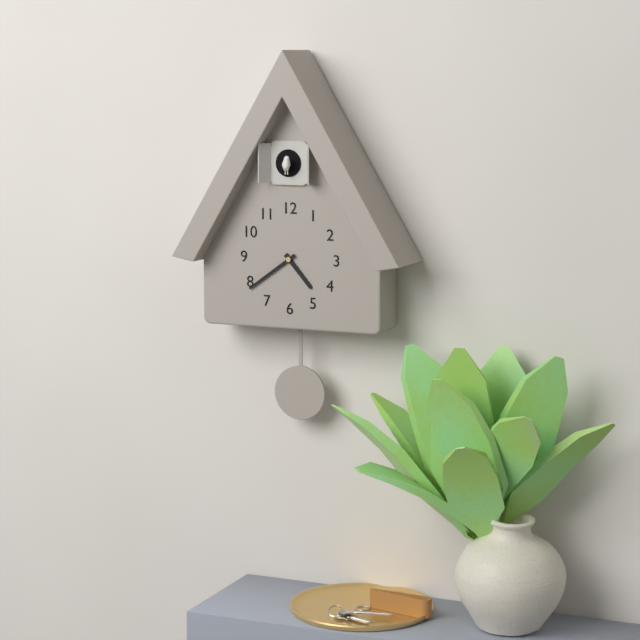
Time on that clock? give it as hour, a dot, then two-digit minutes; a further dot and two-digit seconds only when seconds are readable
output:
4.39
